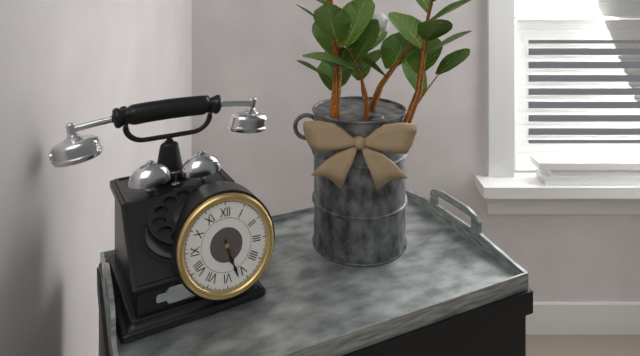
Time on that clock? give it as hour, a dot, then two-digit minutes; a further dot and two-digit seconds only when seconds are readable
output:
5.27
